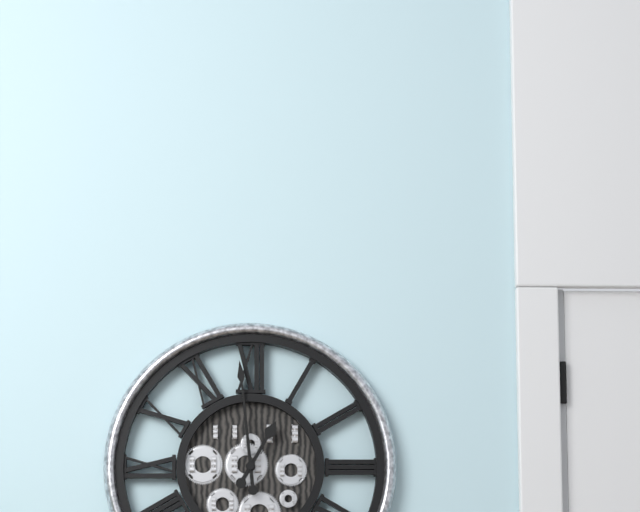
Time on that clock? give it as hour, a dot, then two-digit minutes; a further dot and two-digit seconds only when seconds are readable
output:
12.59
